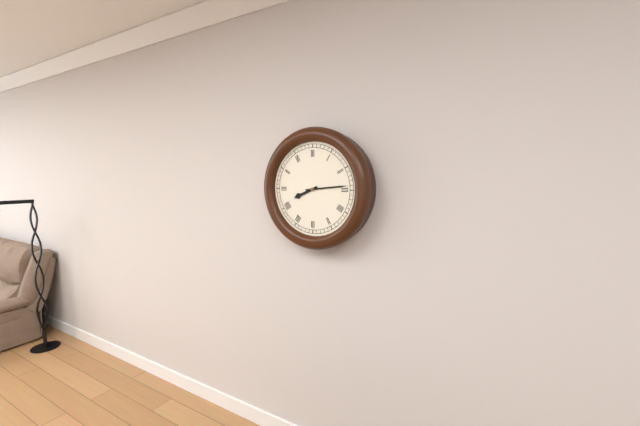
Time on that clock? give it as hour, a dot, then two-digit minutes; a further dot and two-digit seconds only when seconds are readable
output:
8.14
